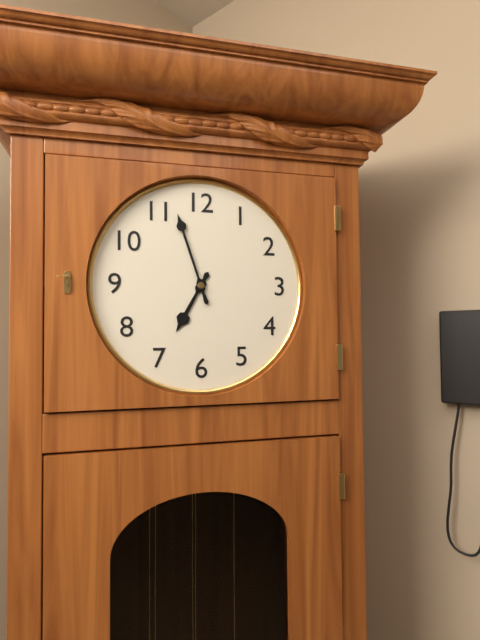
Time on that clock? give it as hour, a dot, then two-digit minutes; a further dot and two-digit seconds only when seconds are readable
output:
6.57
